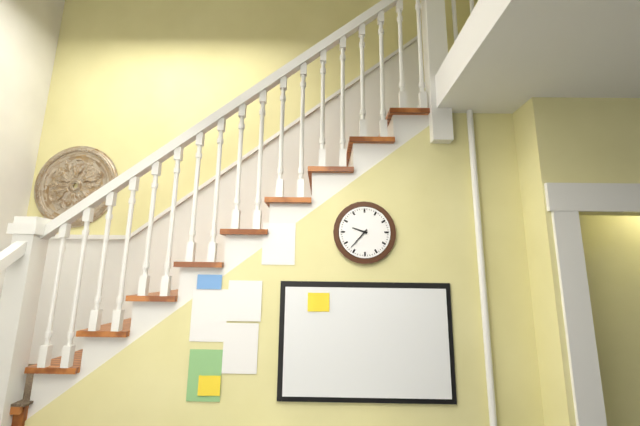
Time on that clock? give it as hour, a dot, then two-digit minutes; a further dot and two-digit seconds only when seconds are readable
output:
9.37
